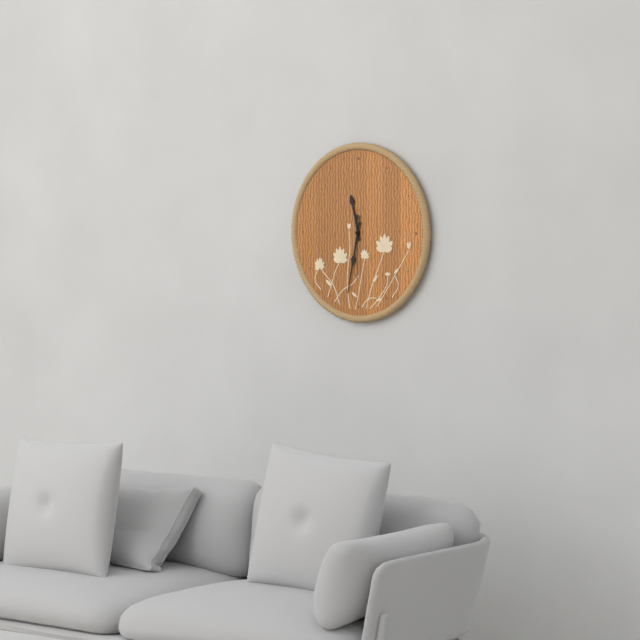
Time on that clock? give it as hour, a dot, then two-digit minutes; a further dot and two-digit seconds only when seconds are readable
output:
11.32.30
